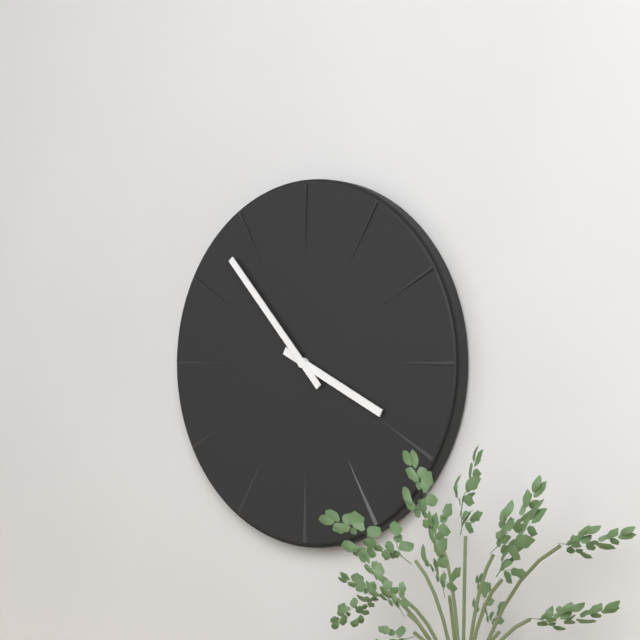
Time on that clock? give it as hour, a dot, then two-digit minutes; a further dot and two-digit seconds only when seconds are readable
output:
3.53
